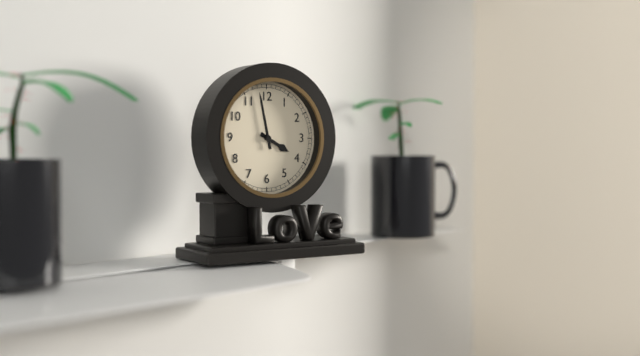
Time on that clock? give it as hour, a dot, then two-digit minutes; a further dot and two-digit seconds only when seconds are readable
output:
3.58
